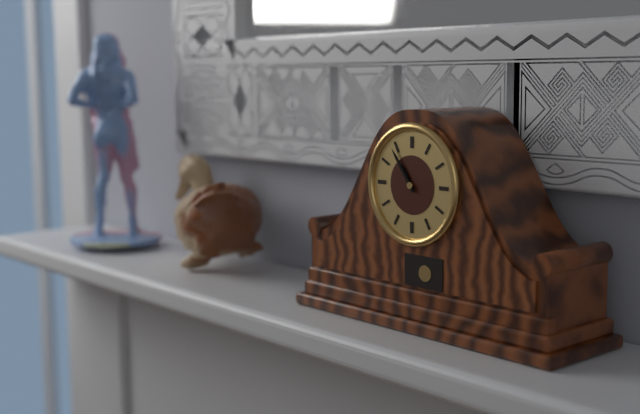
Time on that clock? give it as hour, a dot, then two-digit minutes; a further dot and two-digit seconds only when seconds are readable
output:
10.54
